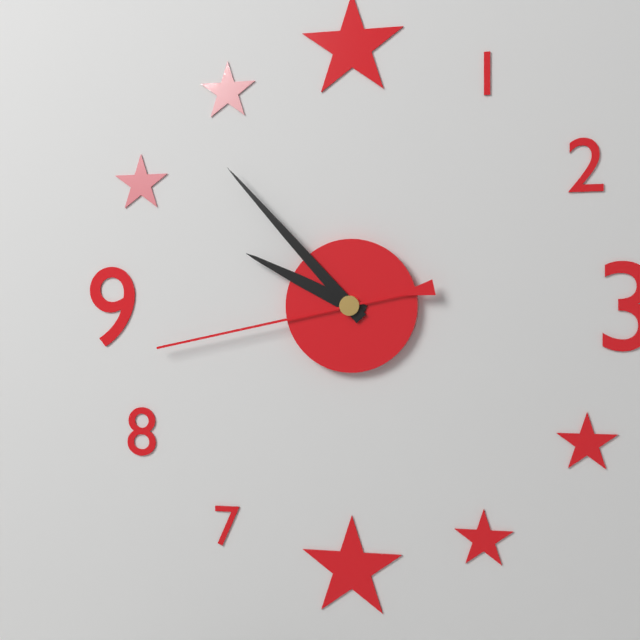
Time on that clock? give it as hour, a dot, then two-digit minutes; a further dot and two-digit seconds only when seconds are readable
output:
9.53.43
